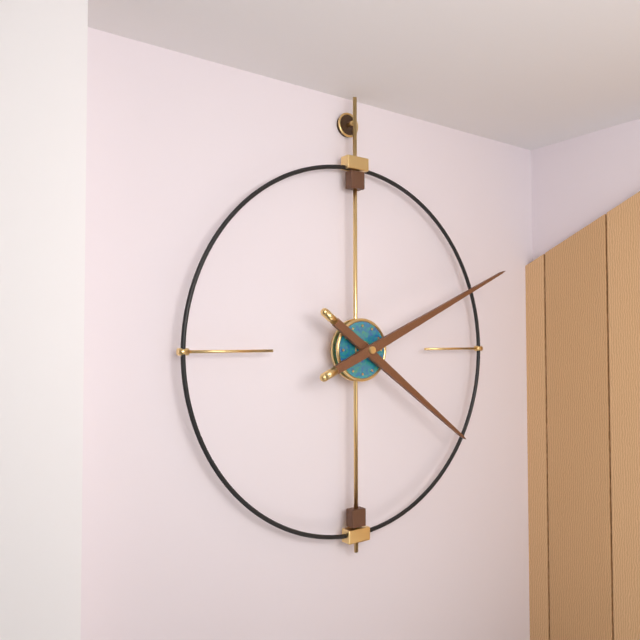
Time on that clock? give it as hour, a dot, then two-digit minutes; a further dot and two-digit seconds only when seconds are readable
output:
4.11
